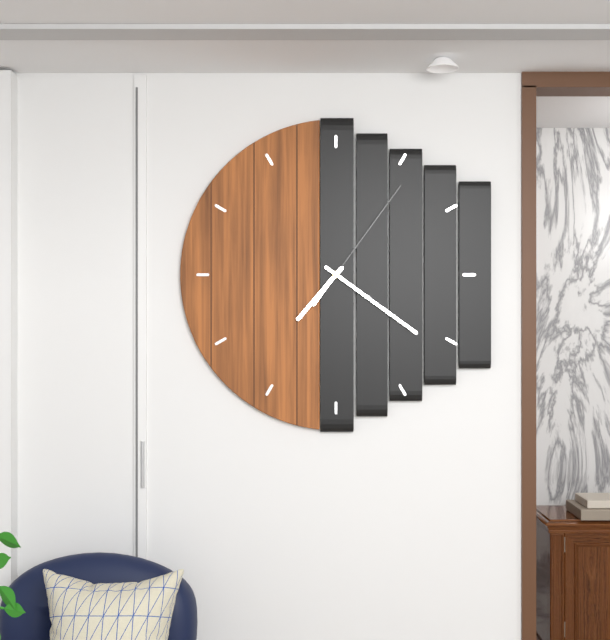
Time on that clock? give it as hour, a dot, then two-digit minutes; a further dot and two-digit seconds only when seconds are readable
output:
7.21.06
